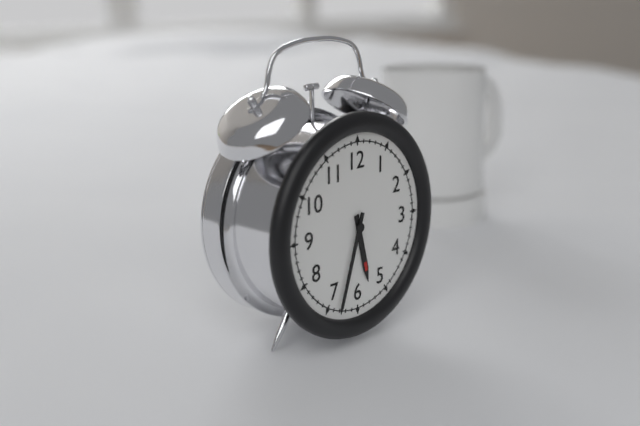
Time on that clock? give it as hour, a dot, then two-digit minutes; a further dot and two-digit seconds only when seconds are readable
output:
5.33
